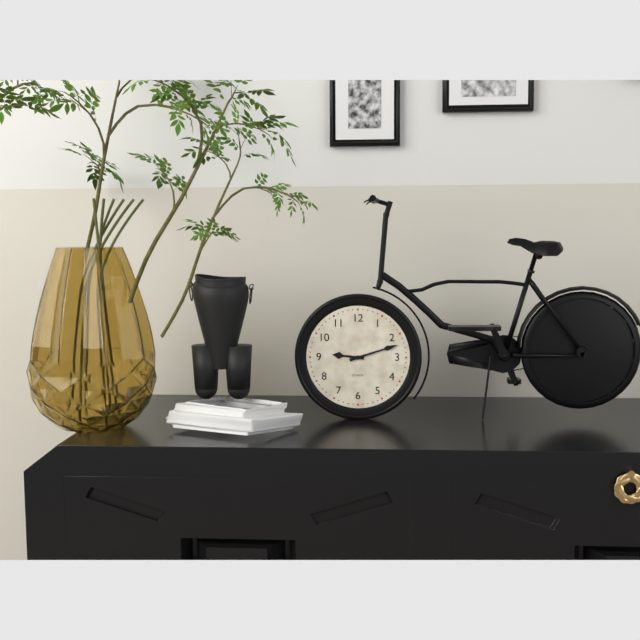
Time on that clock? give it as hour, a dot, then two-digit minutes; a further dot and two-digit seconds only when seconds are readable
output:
9.12
